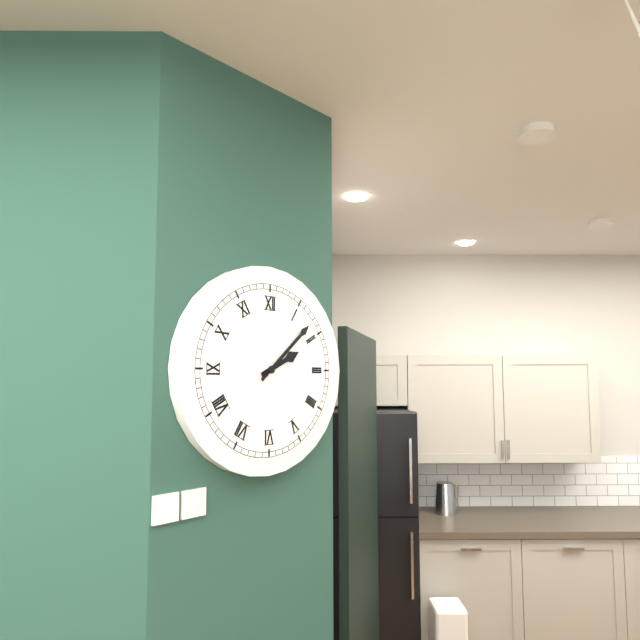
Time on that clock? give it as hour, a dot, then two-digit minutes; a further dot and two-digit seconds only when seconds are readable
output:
2.08
